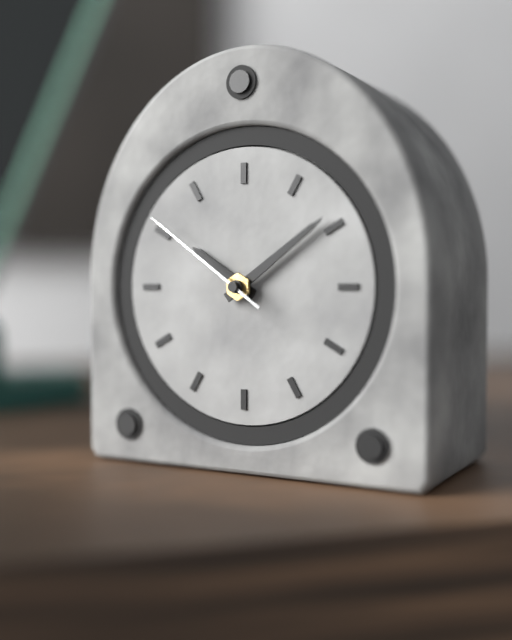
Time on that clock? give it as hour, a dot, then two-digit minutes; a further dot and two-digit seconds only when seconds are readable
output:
10.09.51
